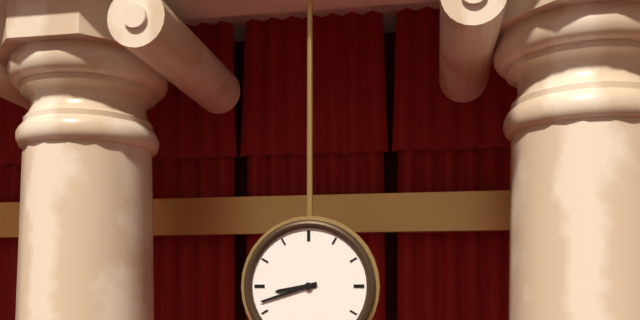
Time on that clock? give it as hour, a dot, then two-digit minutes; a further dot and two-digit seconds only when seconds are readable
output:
8.42
